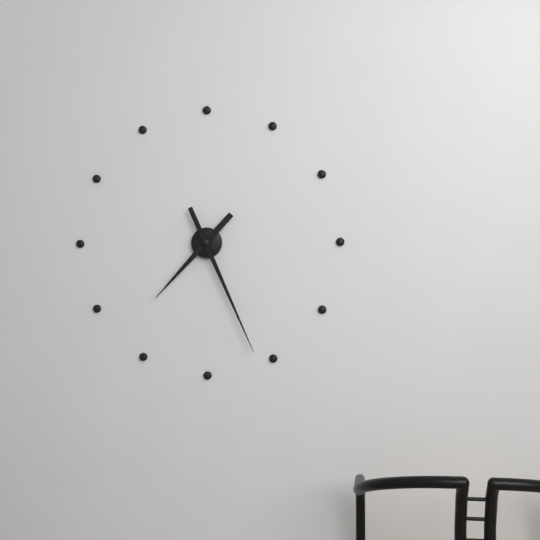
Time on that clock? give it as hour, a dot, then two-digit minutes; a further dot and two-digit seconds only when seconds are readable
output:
7.26
